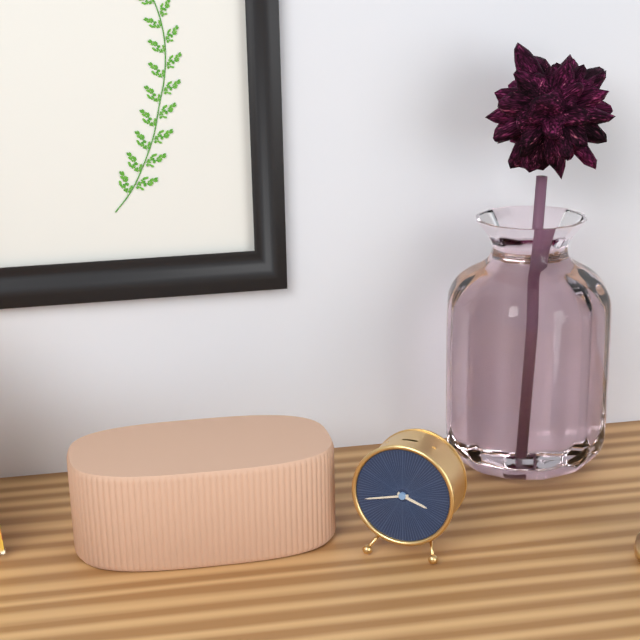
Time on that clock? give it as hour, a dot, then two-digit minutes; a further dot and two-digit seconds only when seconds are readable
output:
3.43
